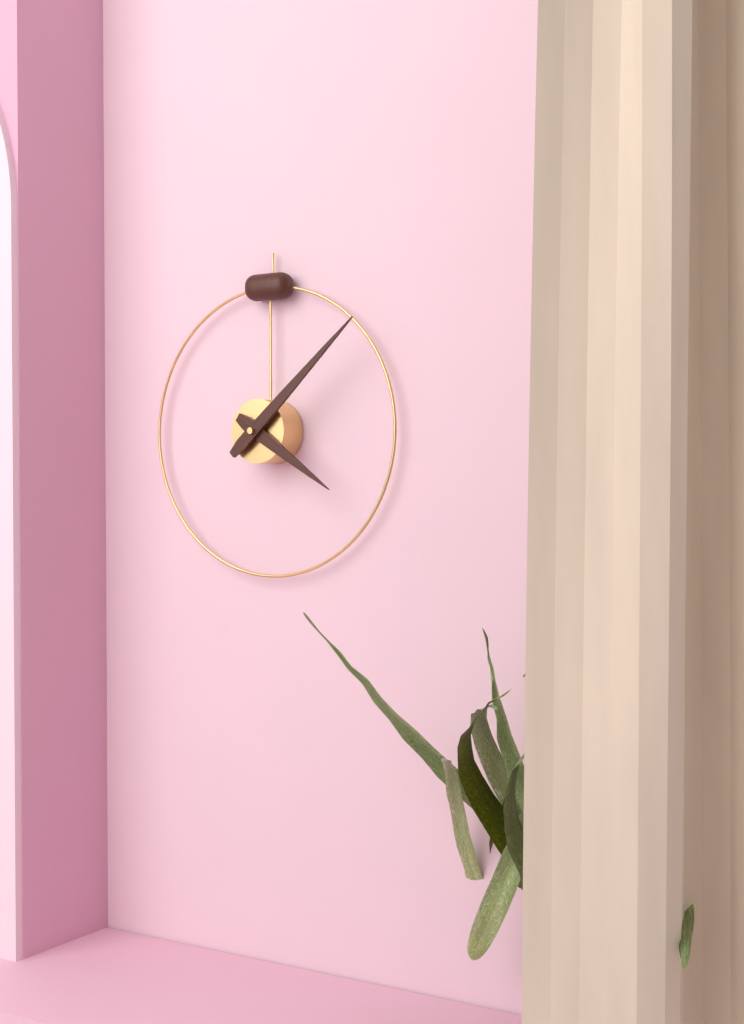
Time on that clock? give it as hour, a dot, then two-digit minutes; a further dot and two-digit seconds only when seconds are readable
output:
4.08
